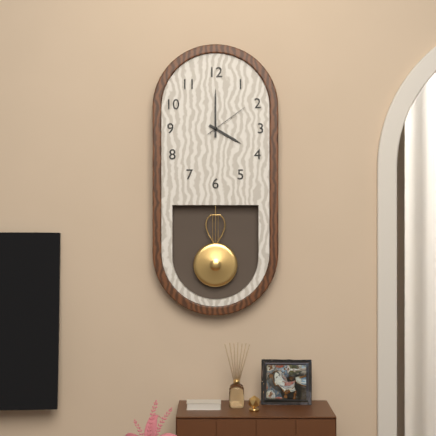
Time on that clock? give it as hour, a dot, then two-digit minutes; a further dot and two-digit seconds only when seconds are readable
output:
4.00
